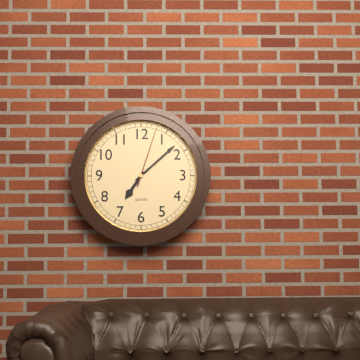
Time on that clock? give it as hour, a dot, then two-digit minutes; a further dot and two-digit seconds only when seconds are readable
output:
7.08.03
